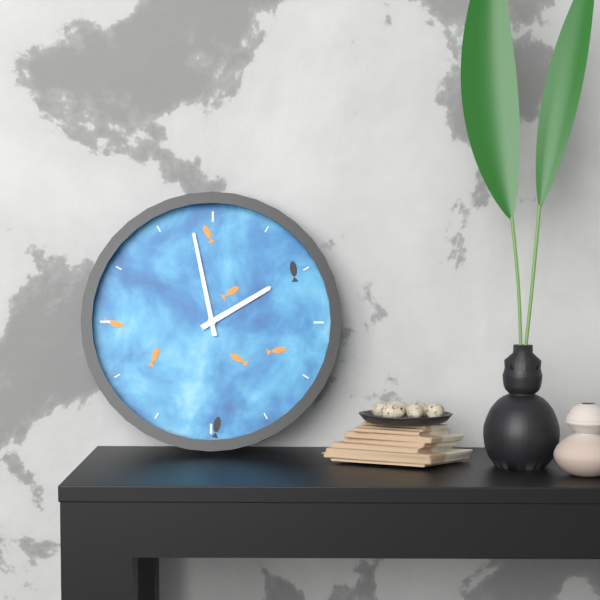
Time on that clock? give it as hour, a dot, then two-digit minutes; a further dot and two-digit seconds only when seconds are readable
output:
1.58
